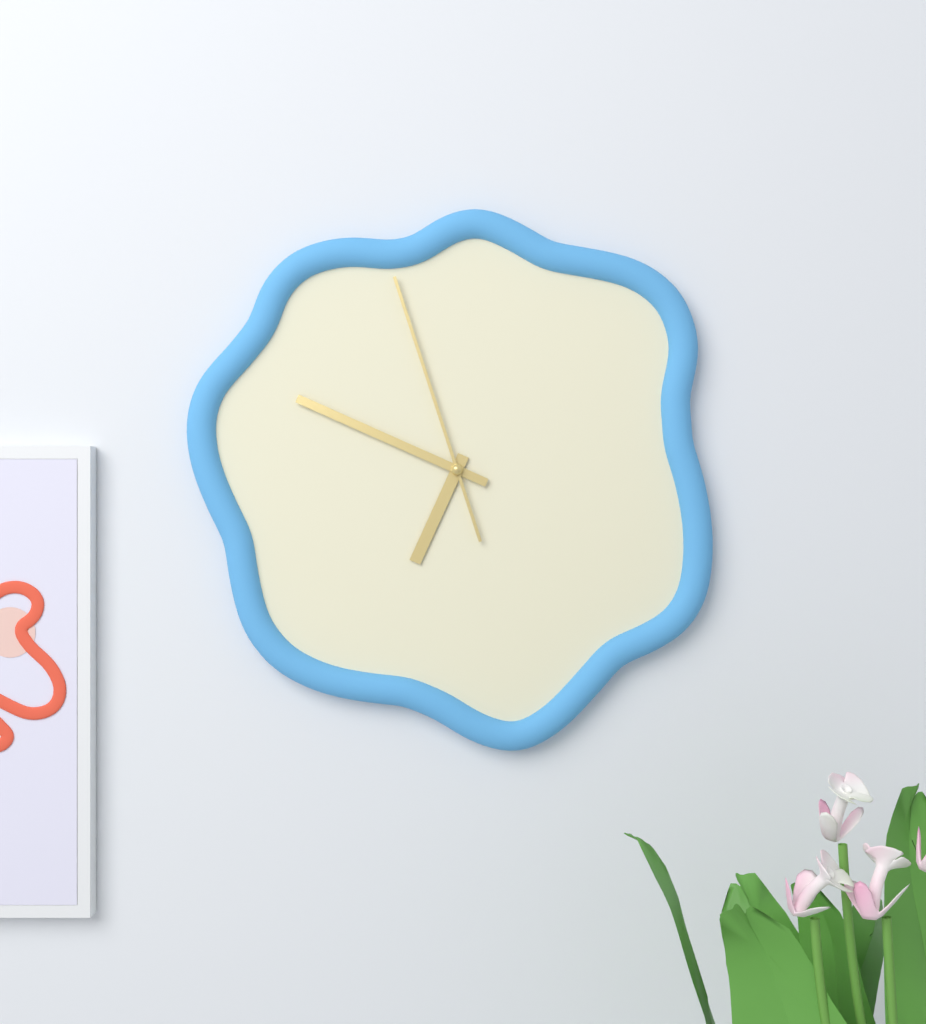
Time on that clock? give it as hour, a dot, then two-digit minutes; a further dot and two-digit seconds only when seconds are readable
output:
6.49.57
